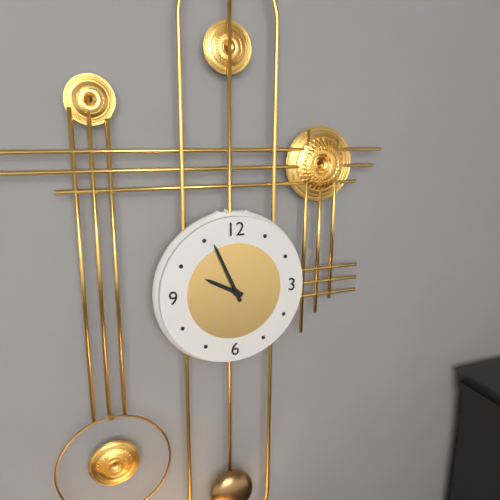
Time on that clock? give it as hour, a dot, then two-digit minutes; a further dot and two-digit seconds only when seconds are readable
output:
9.56
